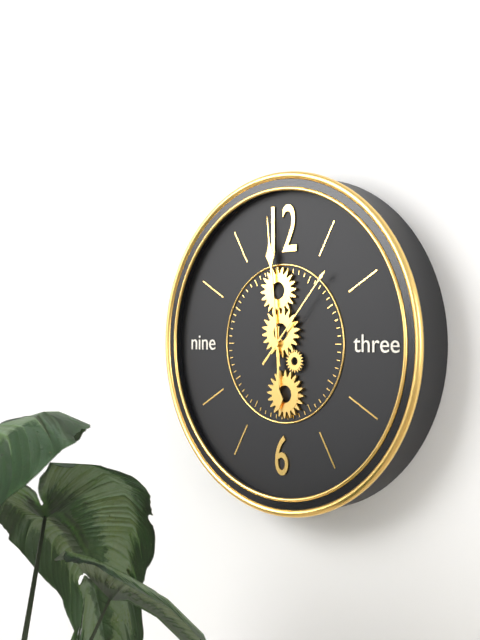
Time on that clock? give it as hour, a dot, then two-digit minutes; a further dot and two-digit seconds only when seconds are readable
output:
5.59.07
